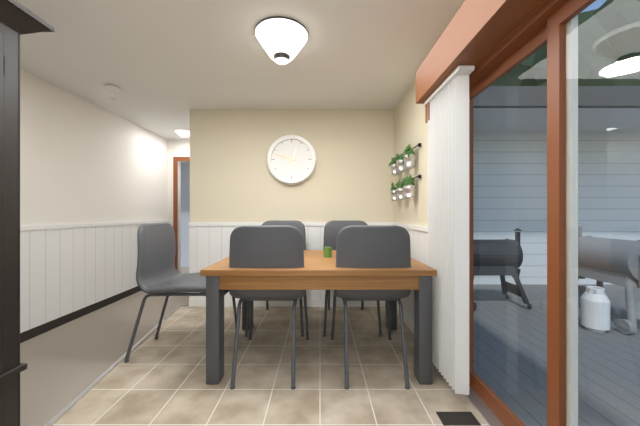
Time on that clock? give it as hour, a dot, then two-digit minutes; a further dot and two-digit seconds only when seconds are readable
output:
12.48
